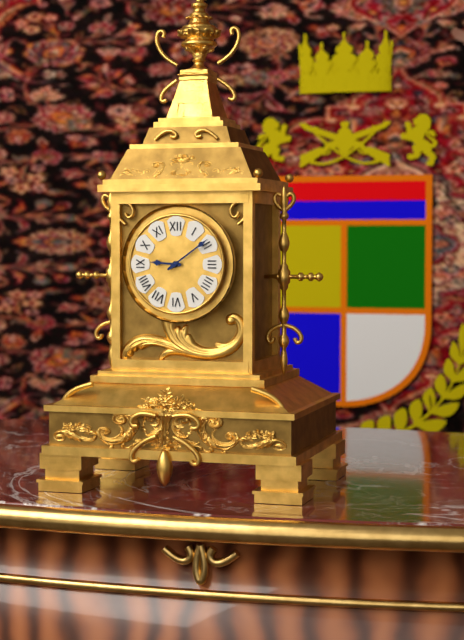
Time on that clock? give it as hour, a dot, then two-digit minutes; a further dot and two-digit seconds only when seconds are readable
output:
9.09
